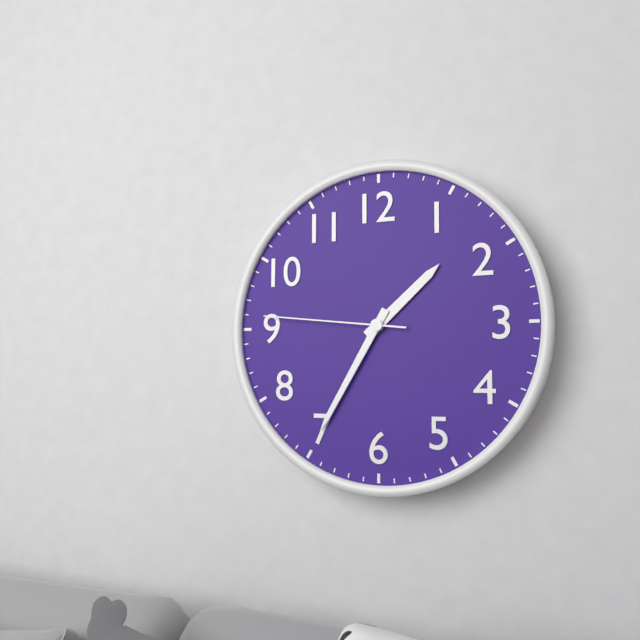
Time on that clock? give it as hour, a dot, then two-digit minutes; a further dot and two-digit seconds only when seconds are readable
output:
1.35.46
